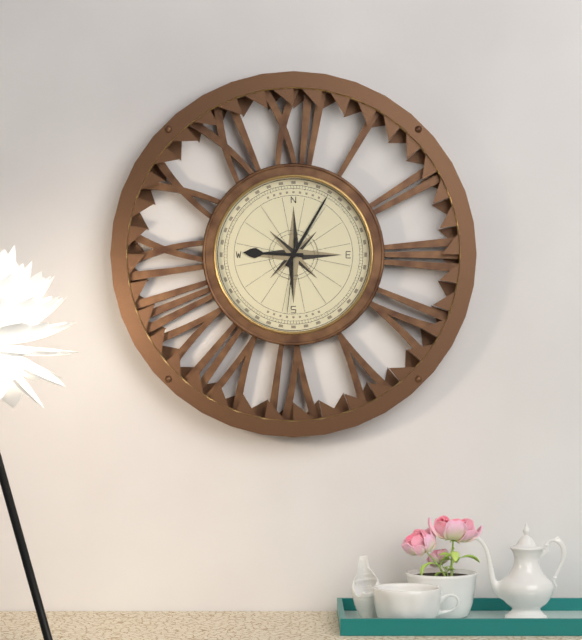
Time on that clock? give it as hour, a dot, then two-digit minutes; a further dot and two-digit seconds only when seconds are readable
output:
9.05.31
